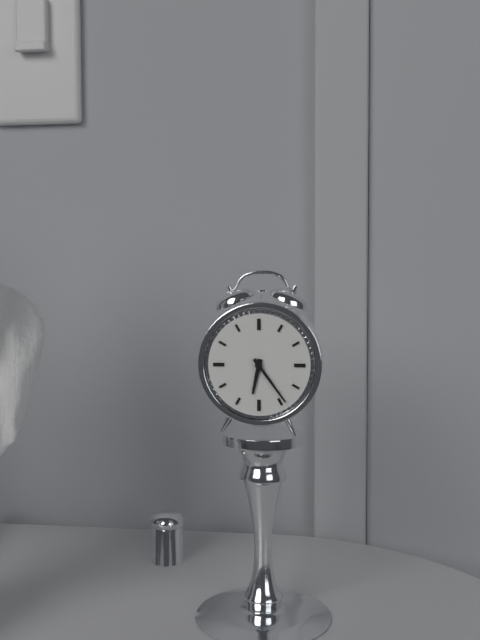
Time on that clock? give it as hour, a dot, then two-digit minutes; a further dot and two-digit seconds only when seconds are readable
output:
6.24
